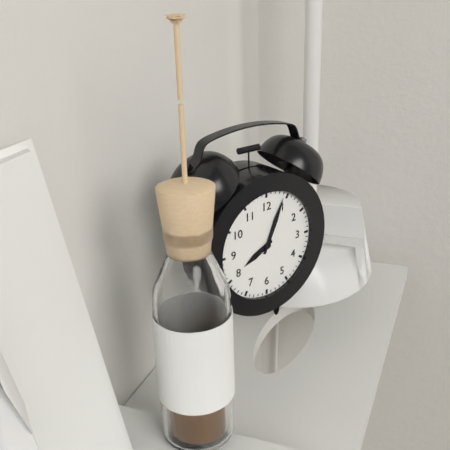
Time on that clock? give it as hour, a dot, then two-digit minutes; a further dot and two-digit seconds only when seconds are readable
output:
8.04
